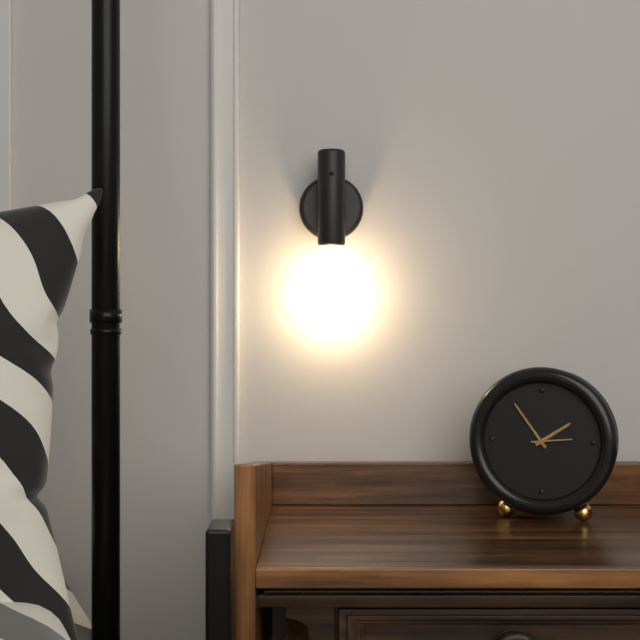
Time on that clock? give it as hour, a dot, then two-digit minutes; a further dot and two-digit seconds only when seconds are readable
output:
1.54
